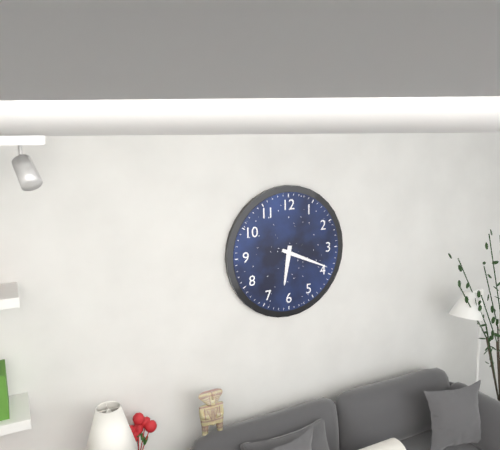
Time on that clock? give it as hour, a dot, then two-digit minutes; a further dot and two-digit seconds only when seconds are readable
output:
6.19
